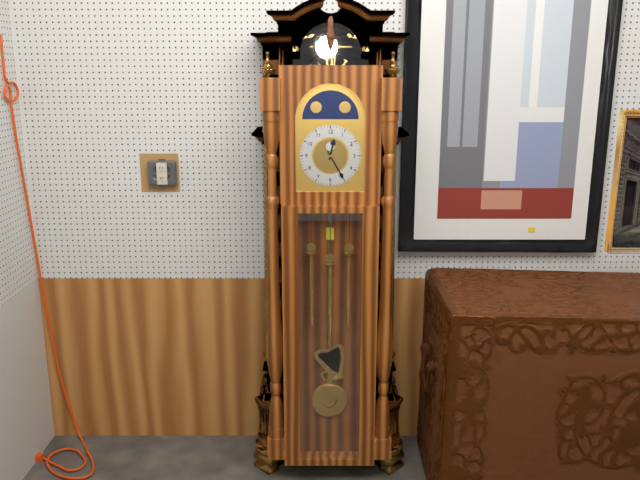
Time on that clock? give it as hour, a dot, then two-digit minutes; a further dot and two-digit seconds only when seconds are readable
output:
12.25
